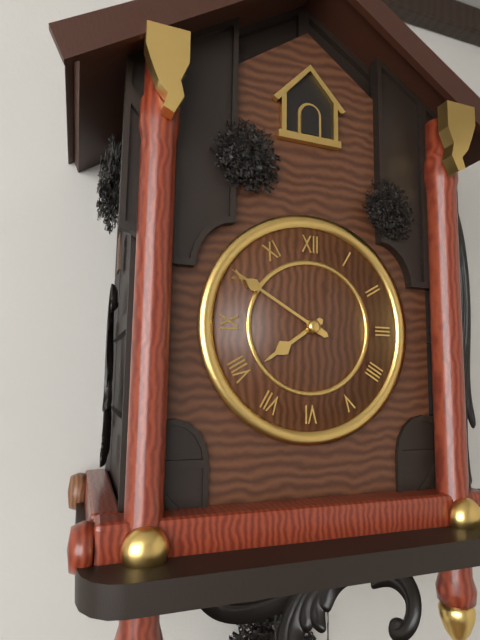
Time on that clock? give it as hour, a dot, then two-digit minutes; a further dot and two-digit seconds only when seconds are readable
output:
7.50
